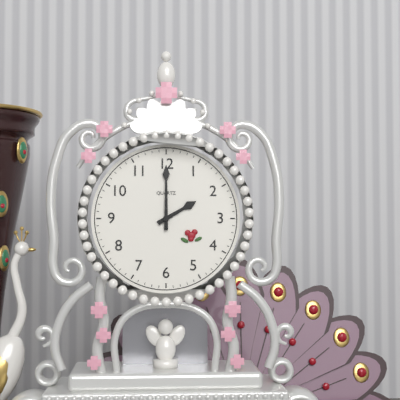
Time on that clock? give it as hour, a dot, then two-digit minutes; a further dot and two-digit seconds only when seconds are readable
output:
2.00
